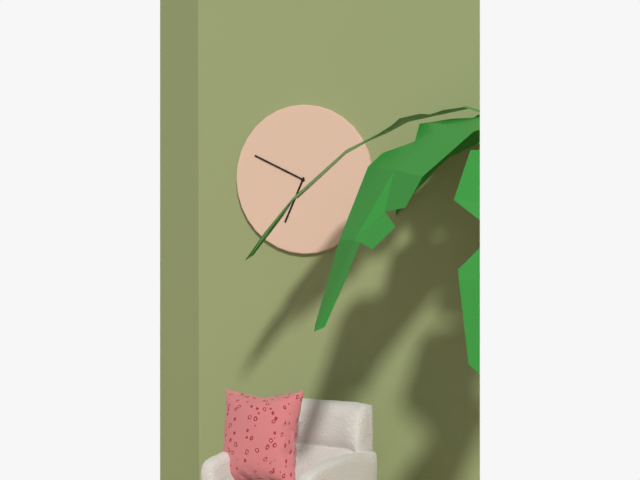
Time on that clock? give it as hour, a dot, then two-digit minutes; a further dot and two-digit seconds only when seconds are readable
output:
6.49
